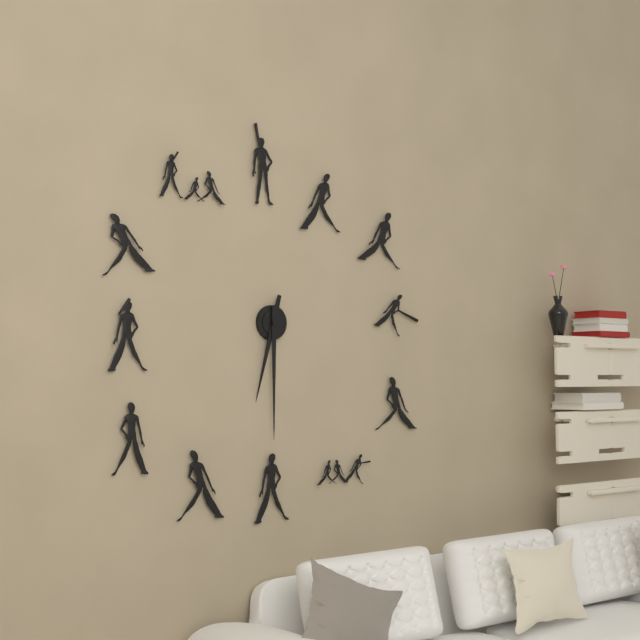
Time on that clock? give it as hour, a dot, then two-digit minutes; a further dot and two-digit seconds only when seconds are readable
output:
6.30
